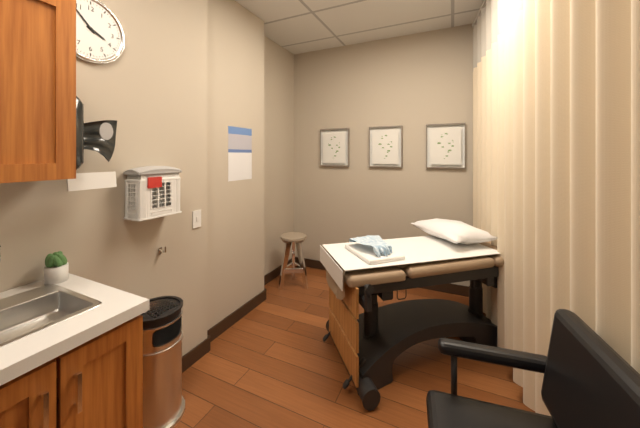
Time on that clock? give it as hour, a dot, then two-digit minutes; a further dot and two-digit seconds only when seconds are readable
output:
3.53
